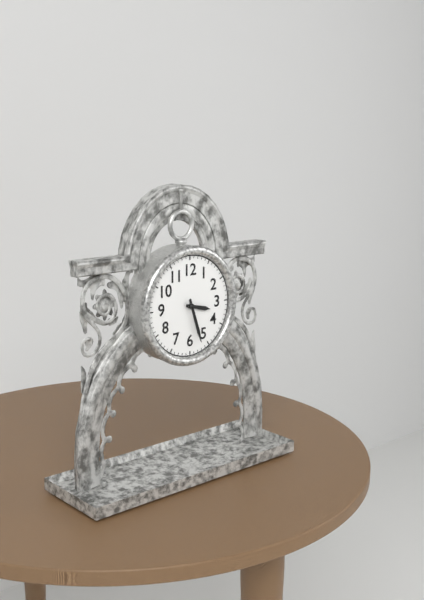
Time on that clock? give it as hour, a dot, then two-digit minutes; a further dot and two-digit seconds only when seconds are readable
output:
3.27
